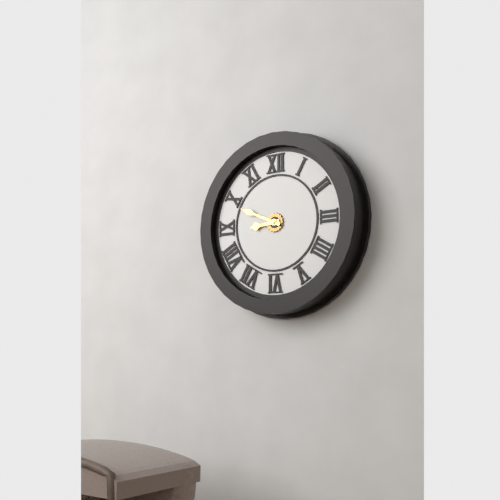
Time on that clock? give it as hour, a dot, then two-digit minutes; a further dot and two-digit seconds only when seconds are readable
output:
8.49
